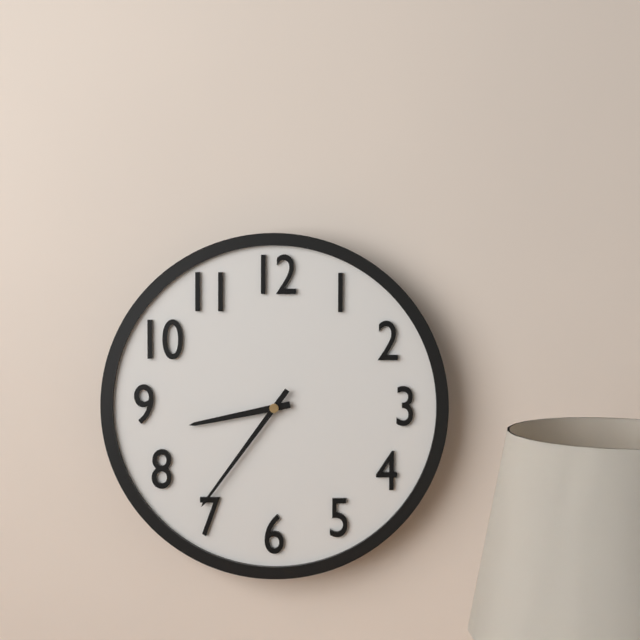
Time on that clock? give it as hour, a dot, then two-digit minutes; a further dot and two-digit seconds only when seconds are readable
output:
8.36
